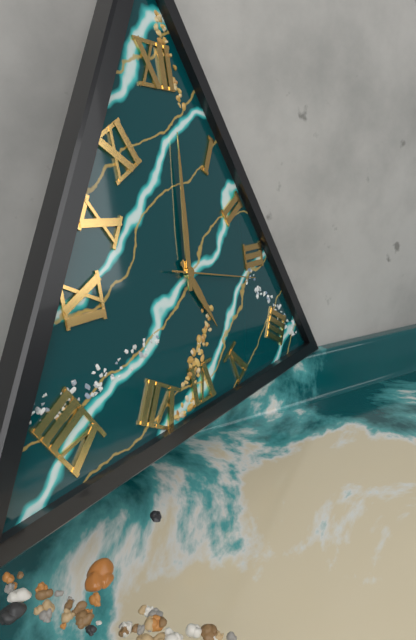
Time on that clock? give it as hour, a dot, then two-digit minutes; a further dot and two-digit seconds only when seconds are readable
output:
5.01.17
